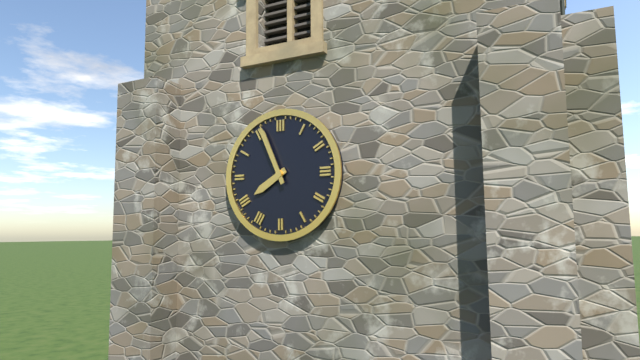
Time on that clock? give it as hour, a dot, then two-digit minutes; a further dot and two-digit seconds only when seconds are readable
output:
7.56
